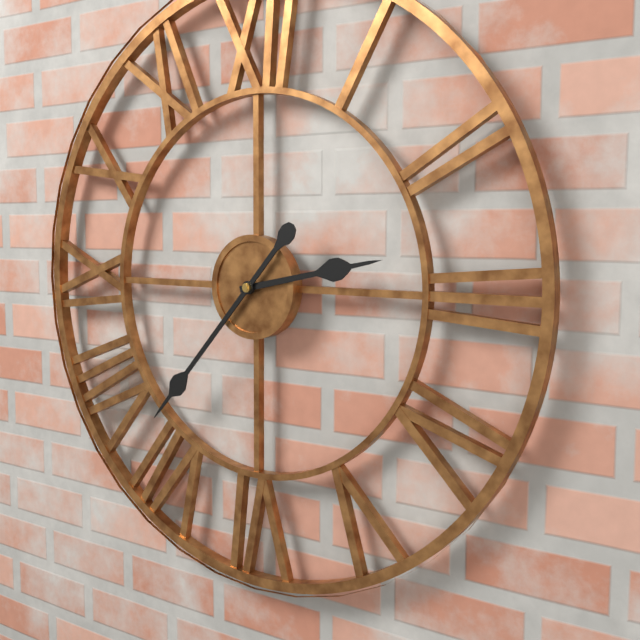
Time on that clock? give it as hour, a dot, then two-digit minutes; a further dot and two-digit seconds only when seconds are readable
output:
2.37
